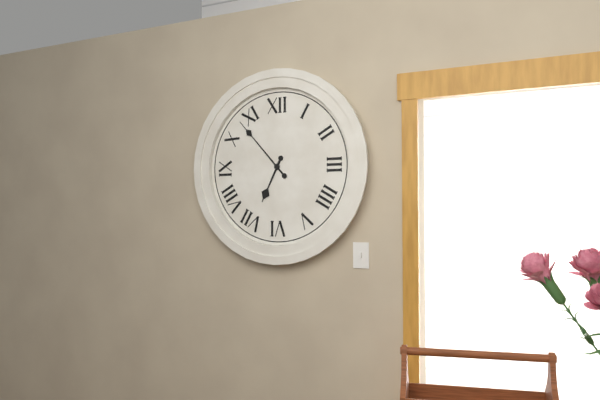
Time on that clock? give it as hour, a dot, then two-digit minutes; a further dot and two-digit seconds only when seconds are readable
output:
6.53
